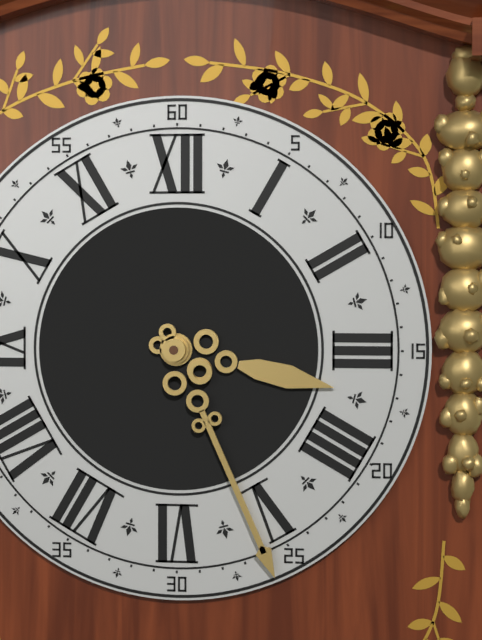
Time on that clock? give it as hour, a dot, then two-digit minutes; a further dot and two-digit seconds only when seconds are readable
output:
3.26
